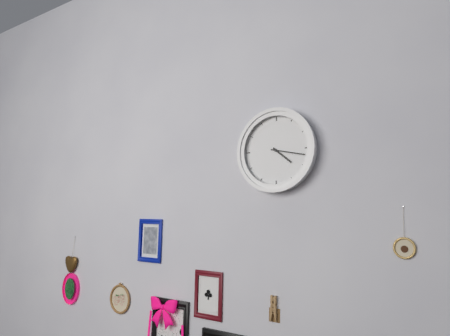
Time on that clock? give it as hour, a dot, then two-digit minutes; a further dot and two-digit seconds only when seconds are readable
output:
4.17
